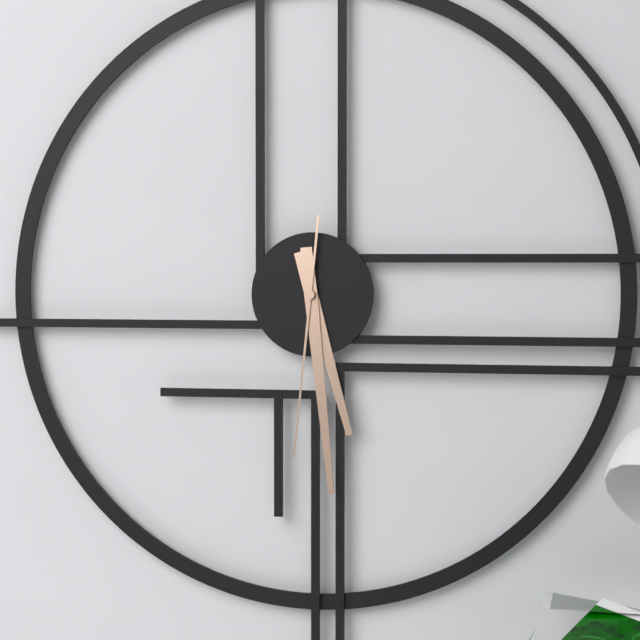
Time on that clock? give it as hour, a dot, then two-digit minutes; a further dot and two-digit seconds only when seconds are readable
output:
5.29.31
